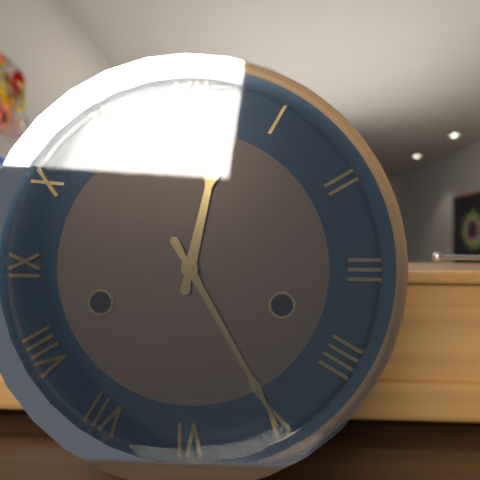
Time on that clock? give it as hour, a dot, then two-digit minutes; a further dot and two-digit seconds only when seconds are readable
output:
12.25
